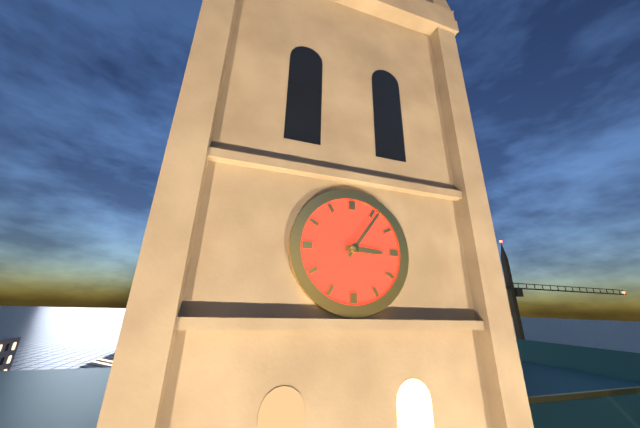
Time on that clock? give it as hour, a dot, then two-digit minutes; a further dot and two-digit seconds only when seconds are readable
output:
3.06
